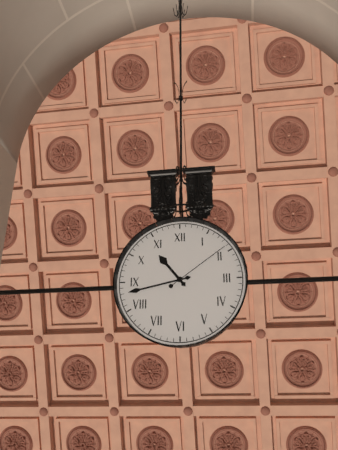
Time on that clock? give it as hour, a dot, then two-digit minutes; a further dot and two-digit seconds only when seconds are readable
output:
10.43.09
